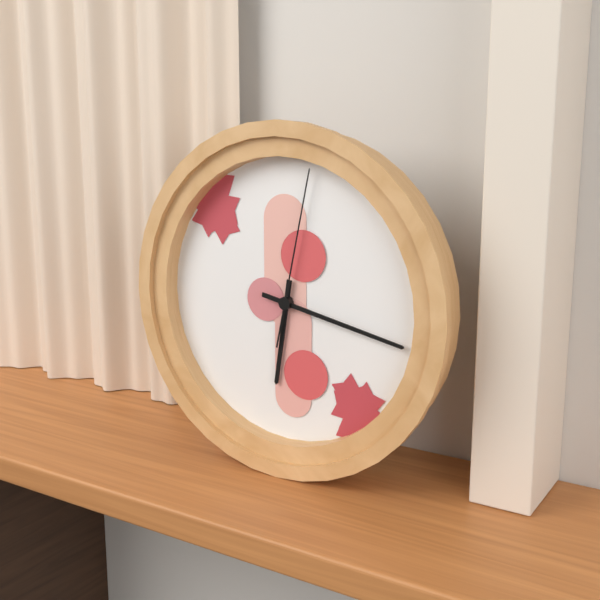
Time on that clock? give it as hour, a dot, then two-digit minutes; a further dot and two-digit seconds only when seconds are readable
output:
6.17.02
